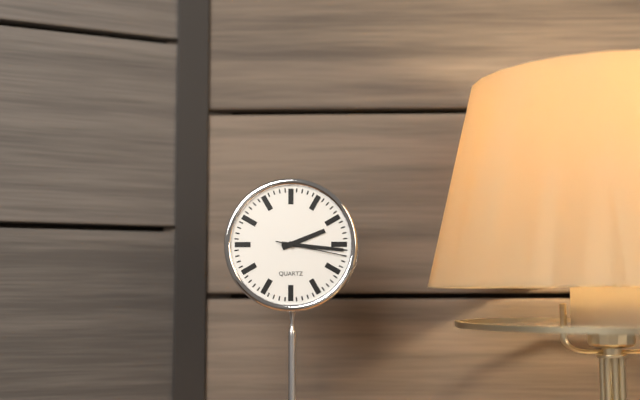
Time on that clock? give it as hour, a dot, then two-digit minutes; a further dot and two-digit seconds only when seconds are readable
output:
2.16.17
